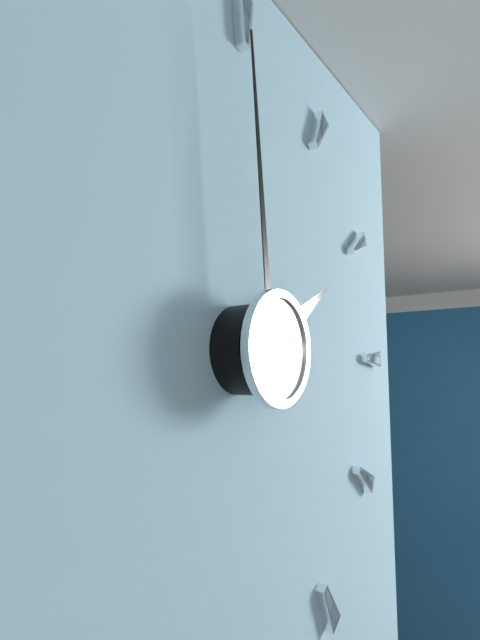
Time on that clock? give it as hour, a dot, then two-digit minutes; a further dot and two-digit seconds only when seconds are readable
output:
1.59
